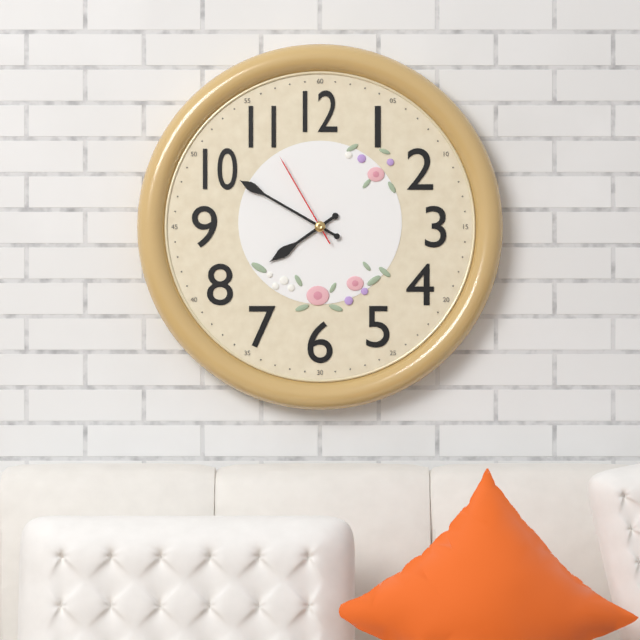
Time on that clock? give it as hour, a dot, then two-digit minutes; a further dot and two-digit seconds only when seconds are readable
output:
7.50.55
